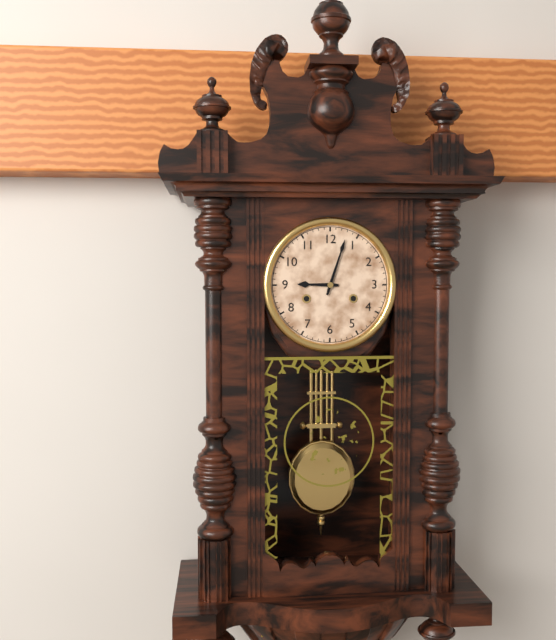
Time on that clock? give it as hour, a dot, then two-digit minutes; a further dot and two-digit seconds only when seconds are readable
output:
9.03
